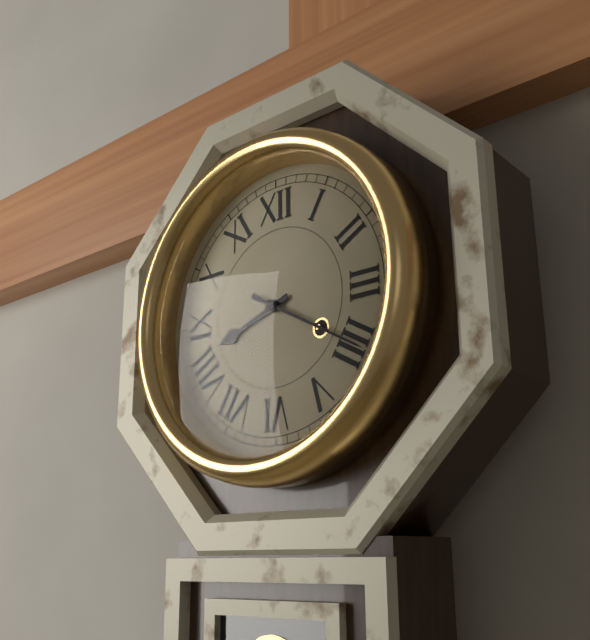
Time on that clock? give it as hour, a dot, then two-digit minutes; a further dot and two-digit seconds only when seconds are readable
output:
8.20
